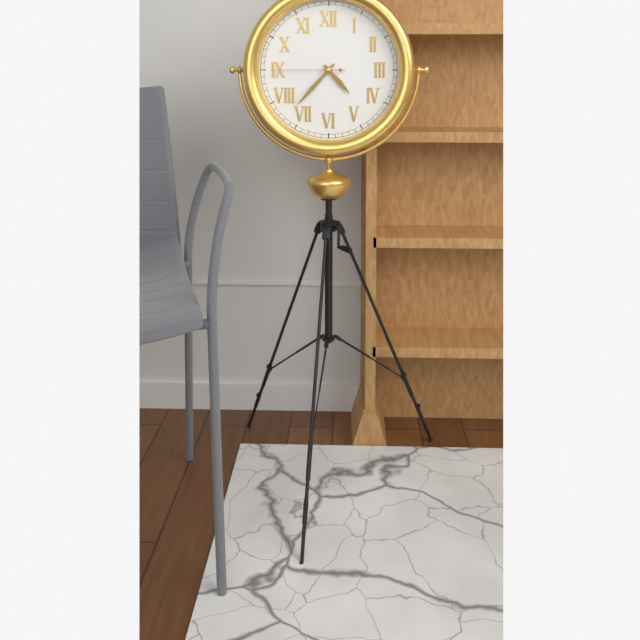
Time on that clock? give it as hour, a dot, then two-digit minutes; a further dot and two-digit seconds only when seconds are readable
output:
4.37.45
